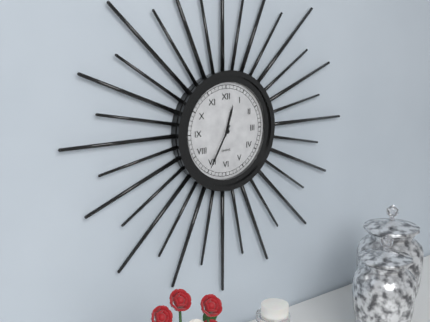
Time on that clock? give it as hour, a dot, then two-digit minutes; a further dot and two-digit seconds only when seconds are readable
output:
12.35
